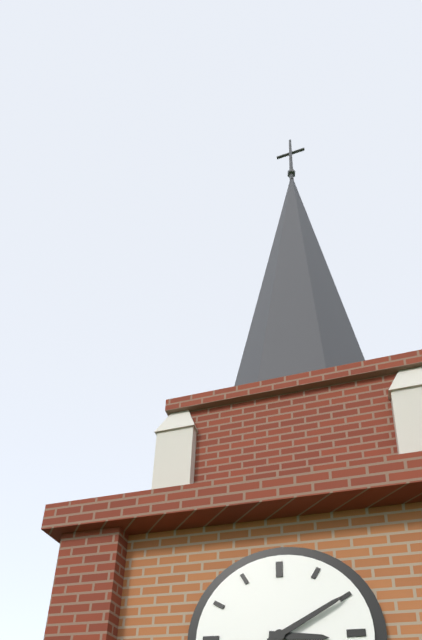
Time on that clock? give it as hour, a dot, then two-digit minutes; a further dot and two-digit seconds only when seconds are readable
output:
3.10
